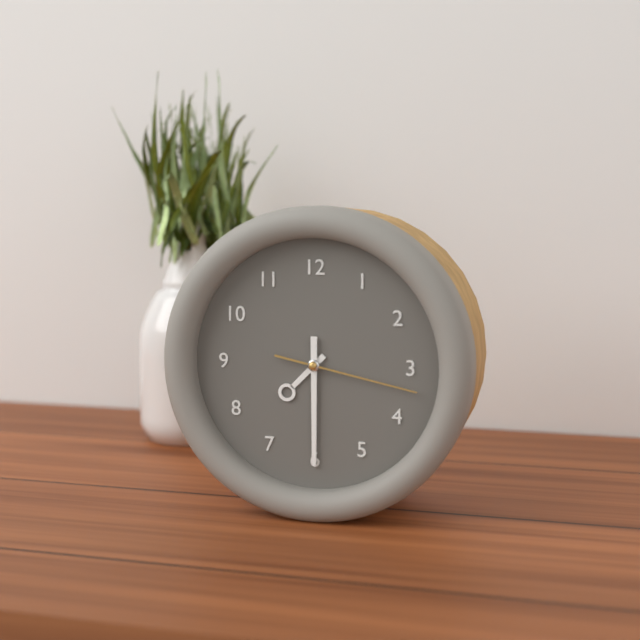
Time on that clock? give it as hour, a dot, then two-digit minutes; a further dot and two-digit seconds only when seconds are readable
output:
7.30.17
